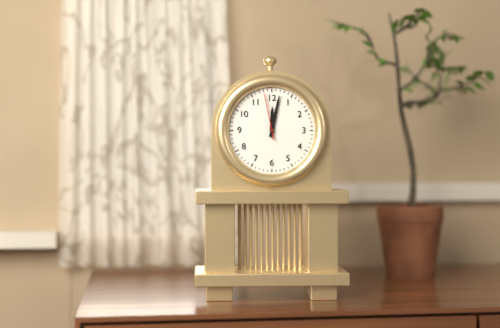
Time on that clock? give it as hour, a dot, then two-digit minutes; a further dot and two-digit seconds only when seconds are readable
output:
12.02
